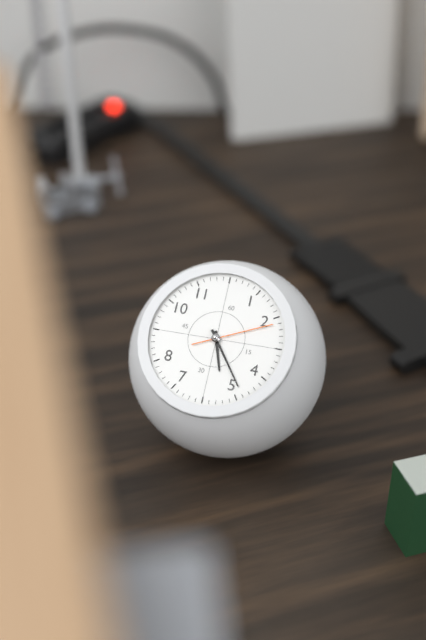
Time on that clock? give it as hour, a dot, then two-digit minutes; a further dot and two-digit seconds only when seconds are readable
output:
5.24.11
